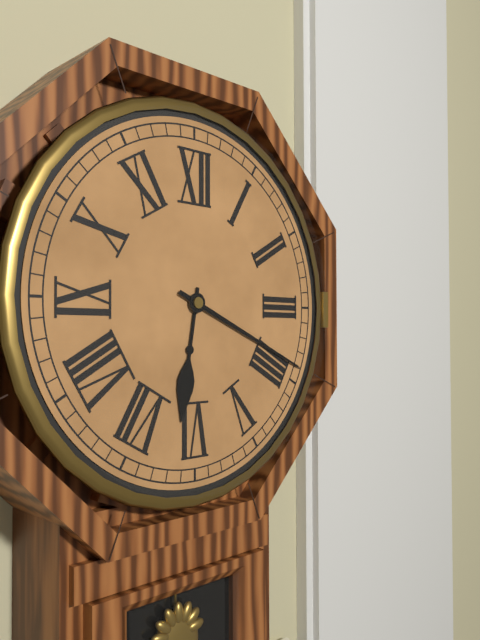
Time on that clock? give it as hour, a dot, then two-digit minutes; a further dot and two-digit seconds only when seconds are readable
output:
6.19
